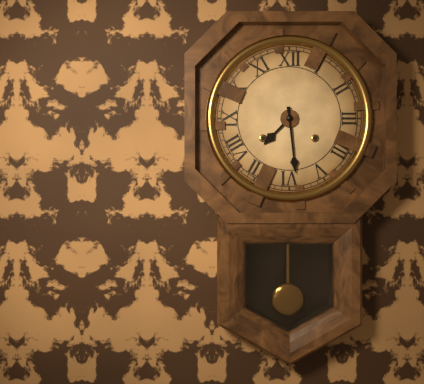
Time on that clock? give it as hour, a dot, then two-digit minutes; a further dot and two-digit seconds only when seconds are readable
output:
7.29
